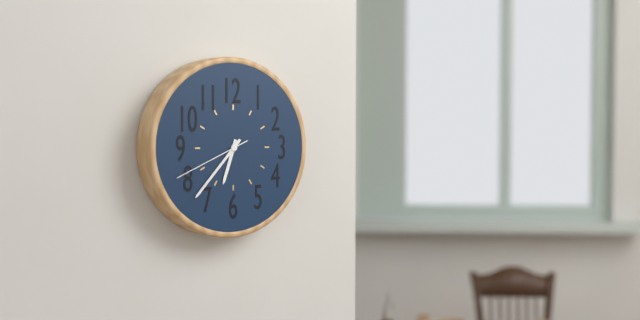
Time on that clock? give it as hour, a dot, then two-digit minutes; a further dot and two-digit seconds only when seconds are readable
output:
6.37.41
